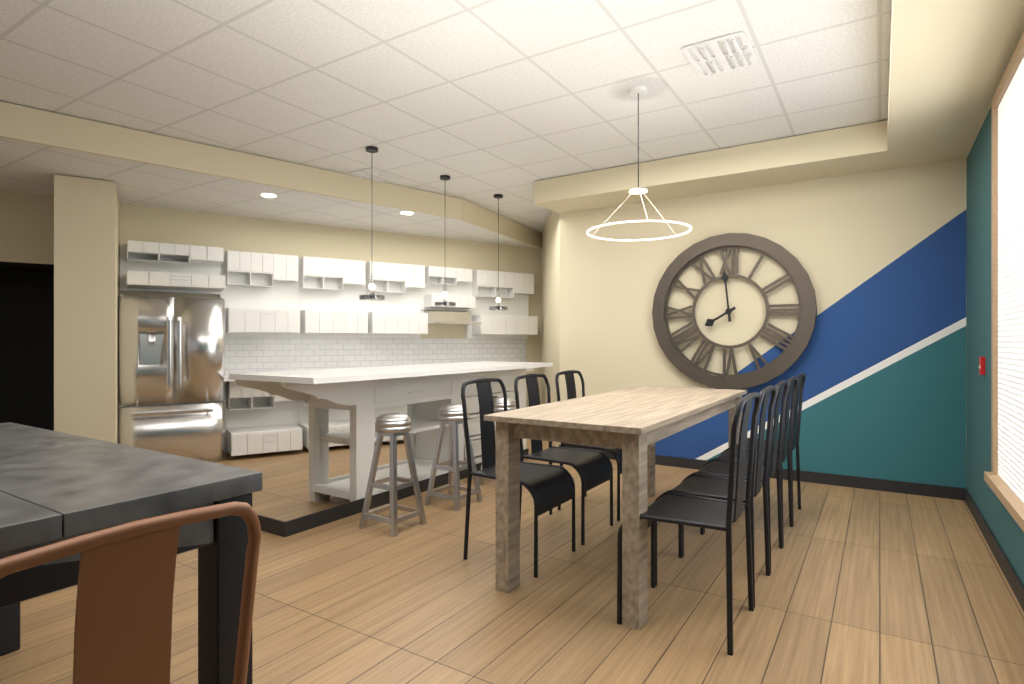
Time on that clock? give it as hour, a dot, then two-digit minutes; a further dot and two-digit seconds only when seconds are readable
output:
7.59
